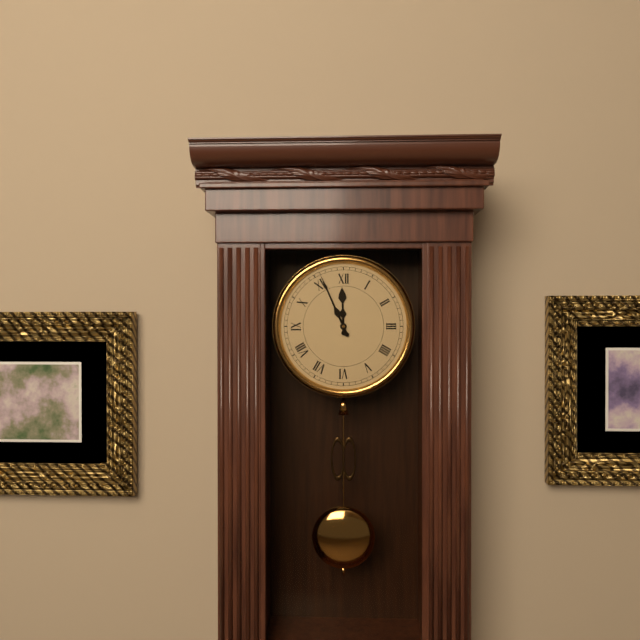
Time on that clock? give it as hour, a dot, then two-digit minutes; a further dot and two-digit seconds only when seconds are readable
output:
11.56
